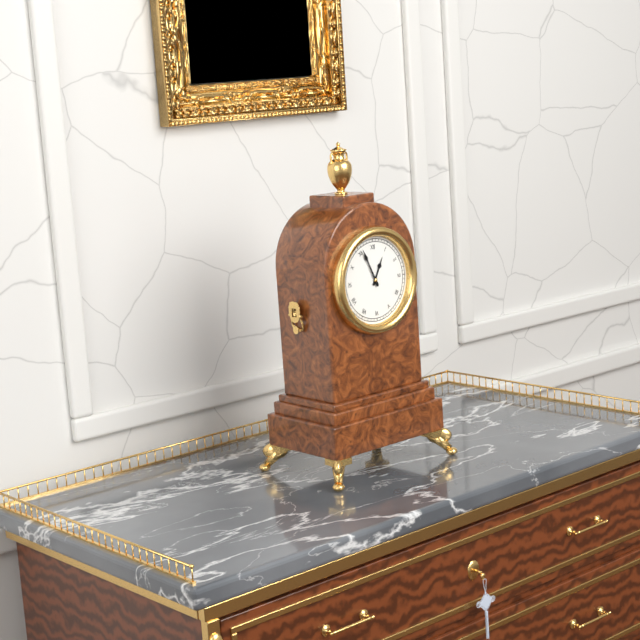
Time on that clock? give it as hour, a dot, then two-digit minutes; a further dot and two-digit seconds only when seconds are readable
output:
12.56
